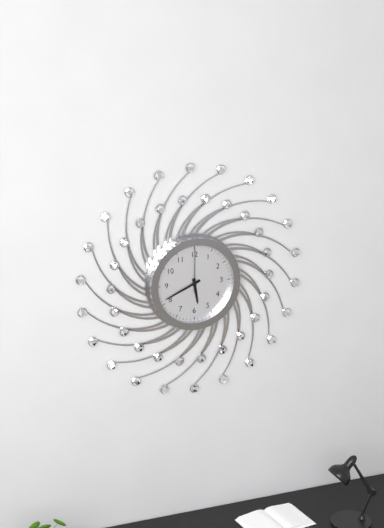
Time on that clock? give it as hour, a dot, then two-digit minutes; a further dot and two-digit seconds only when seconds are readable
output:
5.41
